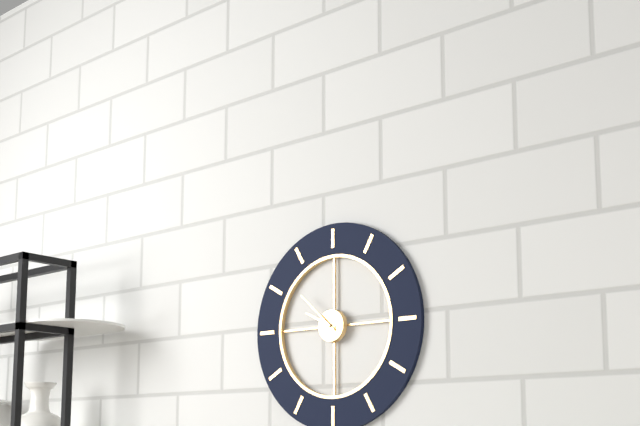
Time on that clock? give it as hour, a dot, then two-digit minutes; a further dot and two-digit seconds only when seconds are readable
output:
9.52
